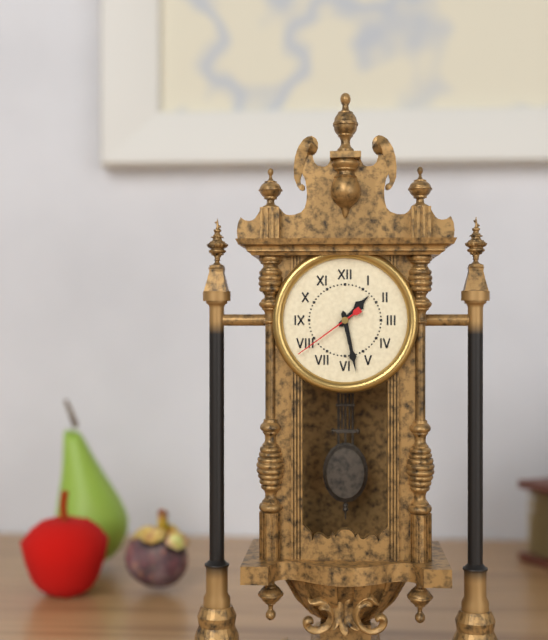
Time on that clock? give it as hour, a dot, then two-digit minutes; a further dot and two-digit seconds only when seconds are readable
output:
1.28.39
